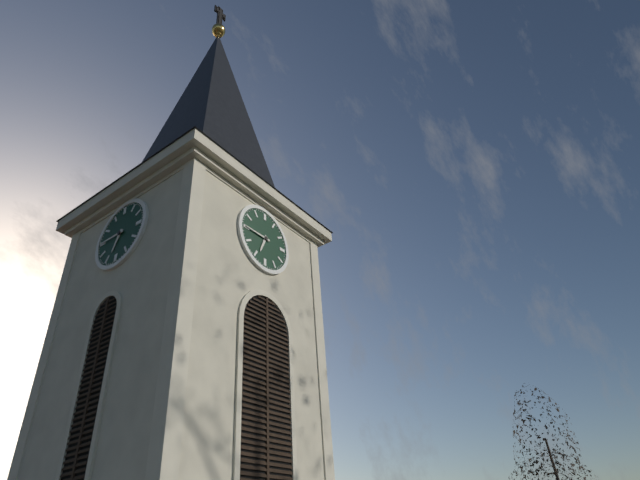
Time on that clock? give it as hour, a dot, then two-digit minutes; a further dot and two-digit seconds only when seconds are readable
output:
6.45
